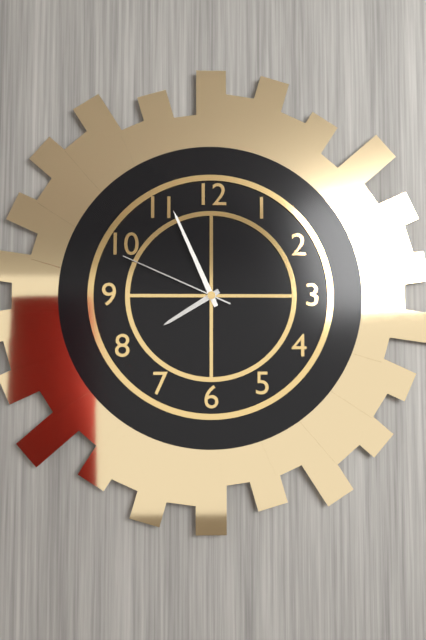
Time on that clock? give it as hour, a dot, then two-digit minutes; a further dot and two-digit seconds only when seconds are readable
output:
7.56.49
